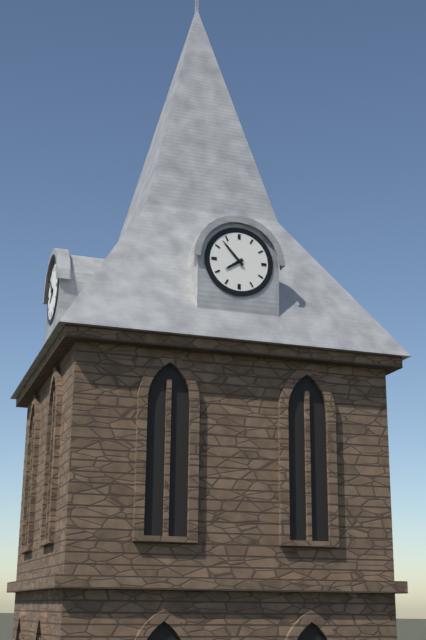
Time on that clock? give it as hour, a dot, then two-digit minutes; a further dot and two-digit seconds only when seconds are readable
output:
7.53
